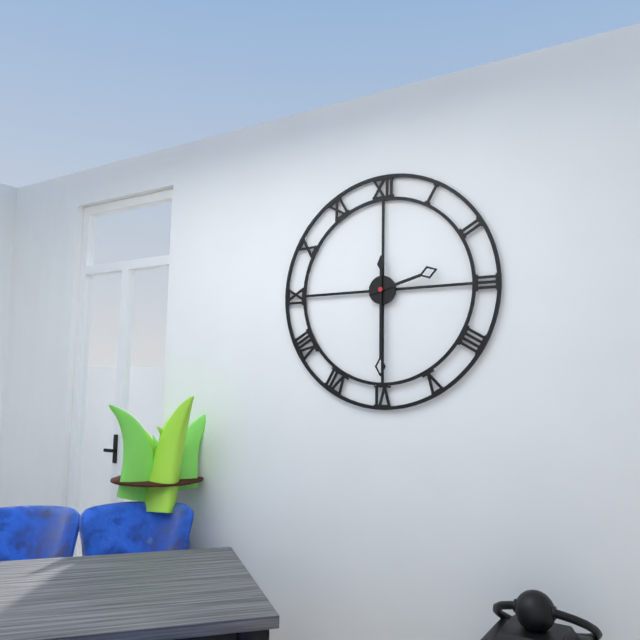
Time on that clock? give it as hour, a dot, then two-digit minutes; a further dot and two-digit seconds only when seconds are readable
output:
2.30
